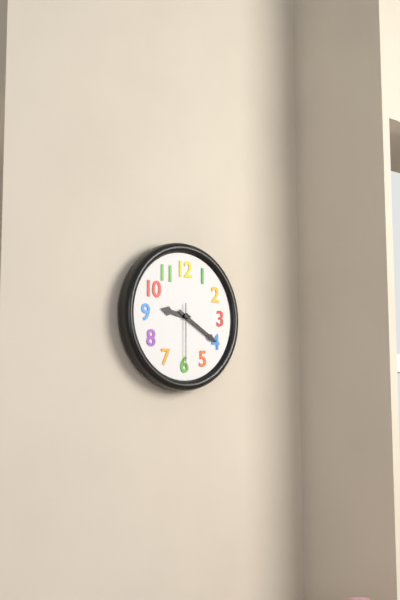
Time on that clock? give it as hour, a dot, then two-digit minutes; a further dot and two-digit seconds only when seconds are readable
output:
9.20.30
